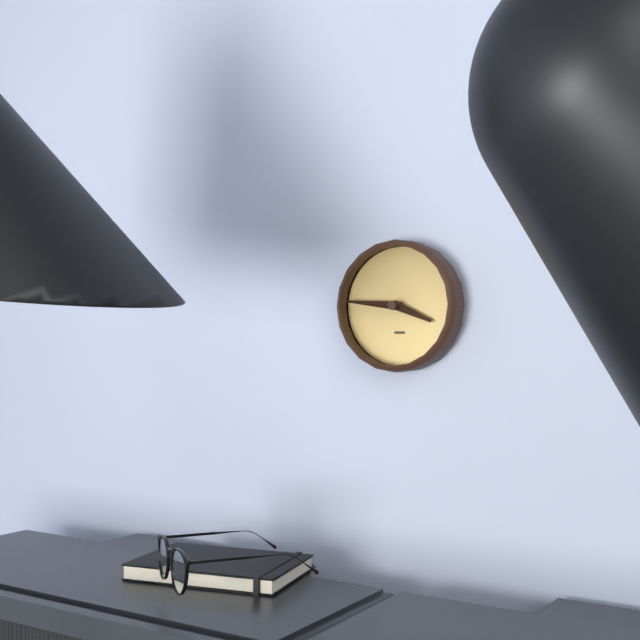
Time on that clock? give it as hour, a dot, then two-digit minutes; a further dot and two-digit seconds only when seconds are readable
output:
3.46
